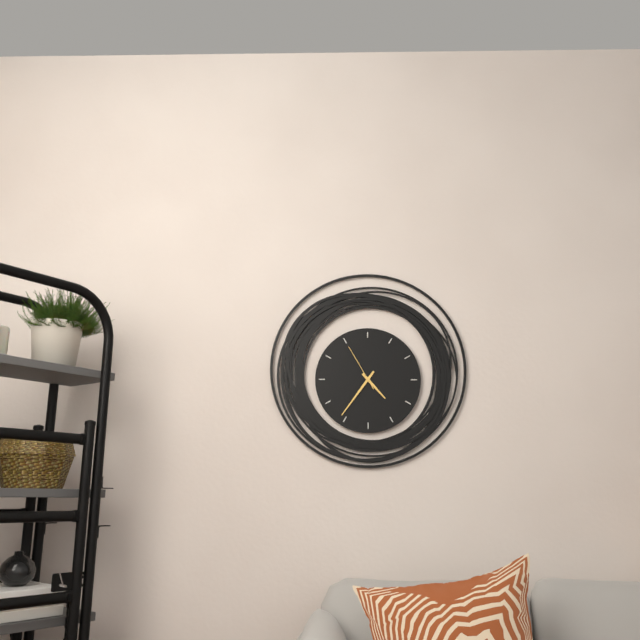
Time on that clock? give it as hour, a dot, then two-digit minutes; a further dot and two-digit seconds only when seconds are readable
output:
4.36
